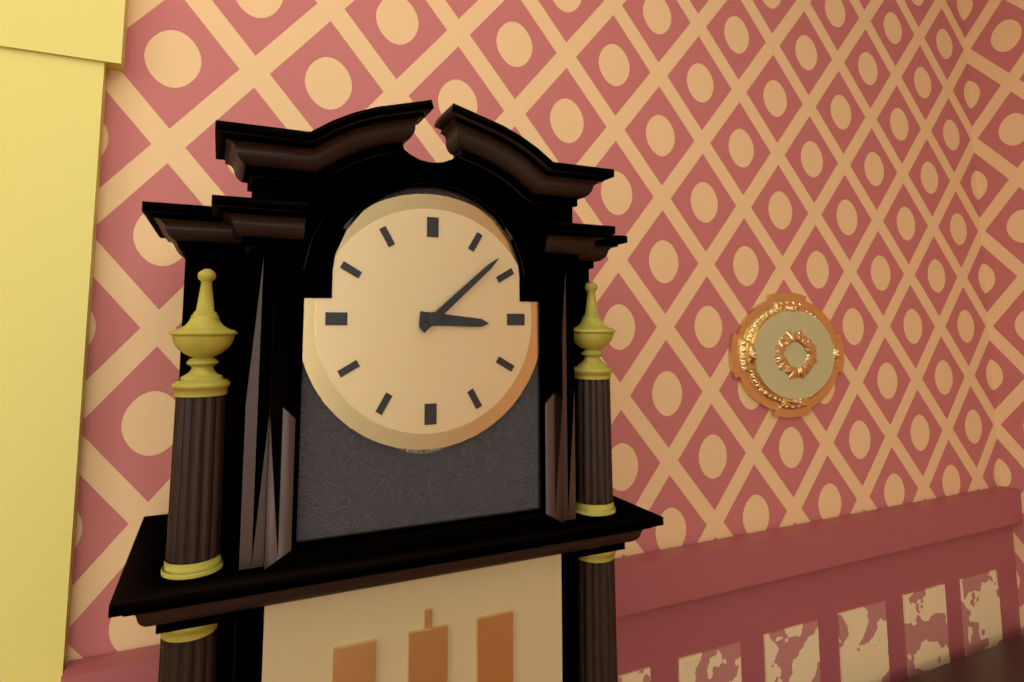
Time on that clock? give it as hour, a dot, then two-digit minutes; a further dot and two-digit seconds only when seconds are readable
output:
3.08
